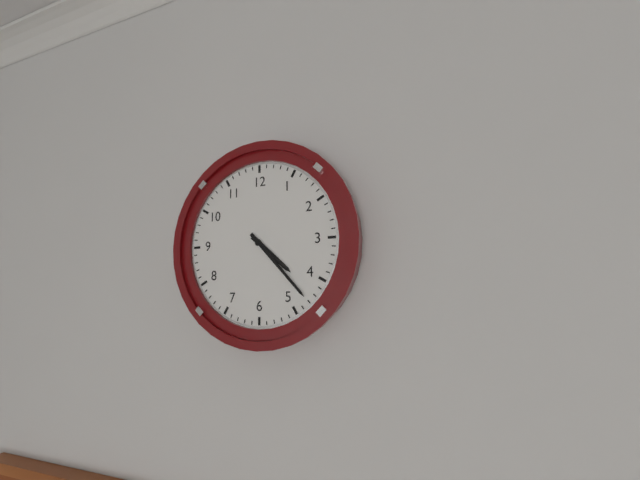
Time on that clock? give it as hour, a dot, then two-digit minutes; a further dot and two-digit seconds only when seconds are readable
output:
4.23
